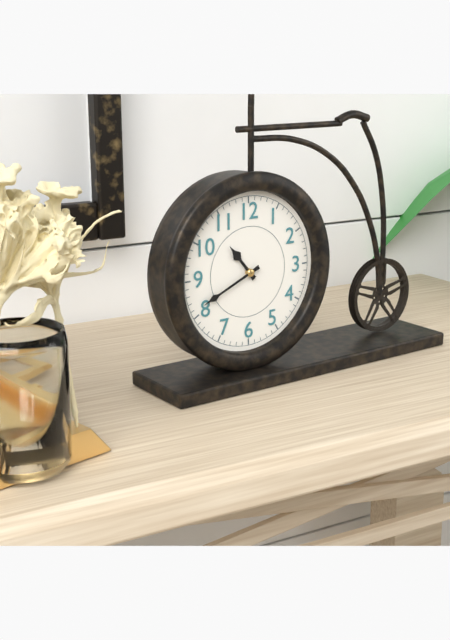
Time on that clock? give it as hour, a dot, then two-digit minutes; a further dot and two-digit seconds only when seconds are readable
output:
10.41
